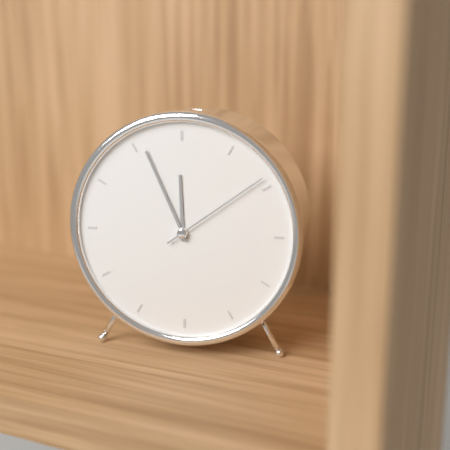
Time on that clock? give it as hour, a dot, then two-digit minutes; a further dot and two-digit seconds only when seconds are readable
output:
11.56.09
